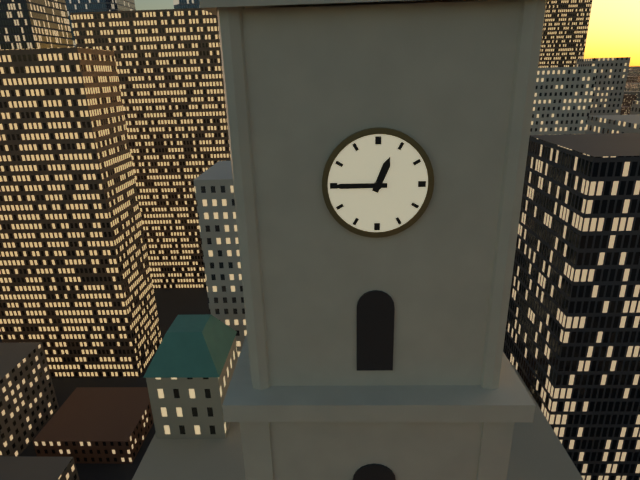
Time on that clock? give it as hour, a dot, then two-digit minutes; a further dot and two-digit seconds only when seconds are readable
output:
12.45
